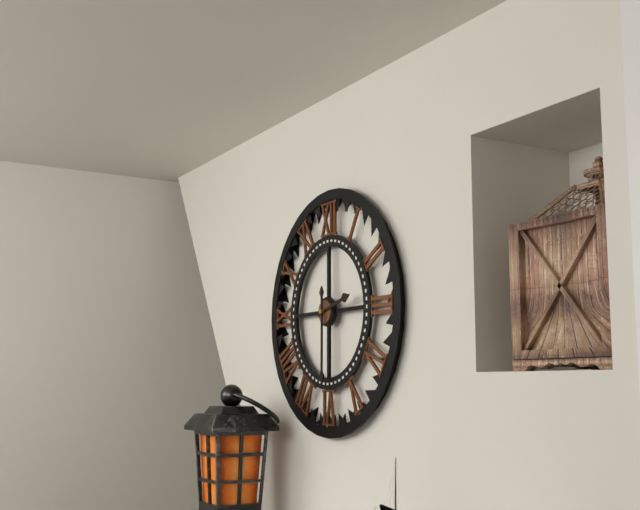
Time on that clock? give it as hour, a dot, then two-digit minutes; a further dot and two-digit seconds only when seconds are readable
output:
2.30
